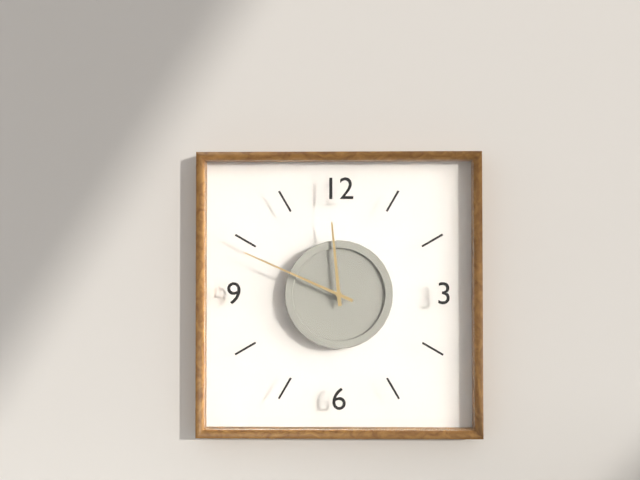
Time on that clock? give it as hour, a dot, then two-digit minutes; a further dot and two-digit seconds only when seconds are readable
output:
11.49
